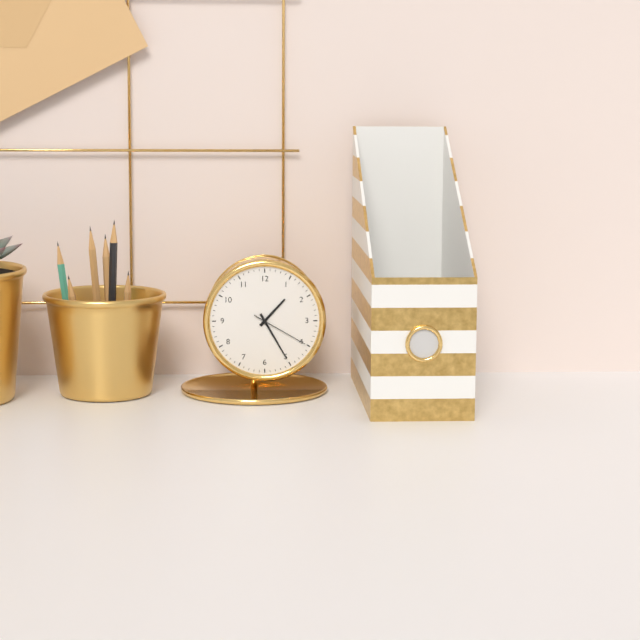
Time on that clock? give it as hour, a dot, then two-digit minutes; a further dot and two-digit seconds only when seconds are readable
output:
1.25.20
